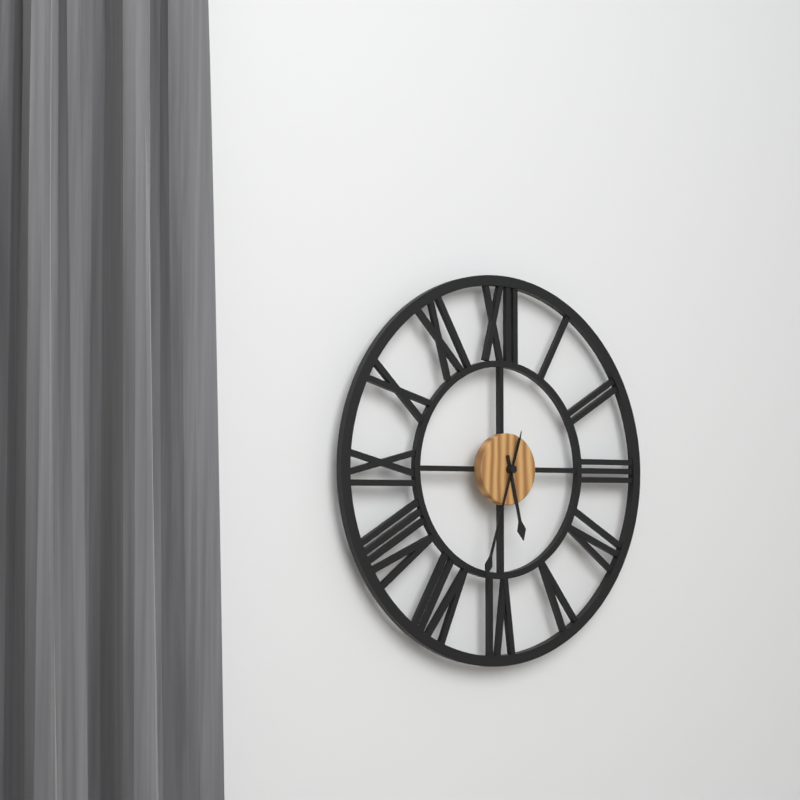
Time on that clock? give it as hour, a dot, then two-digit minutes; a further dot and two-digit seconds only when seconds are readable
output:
5.33
